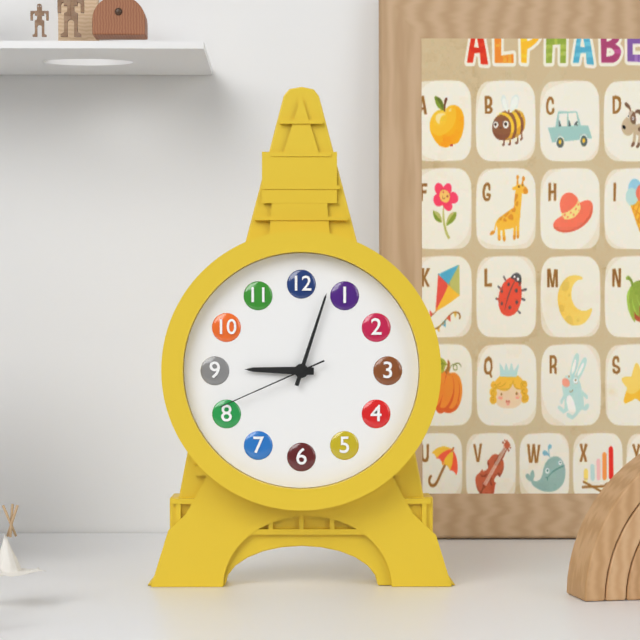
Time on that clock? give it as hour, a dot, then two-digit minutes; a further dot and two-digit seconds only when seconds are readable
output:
9.03.41
